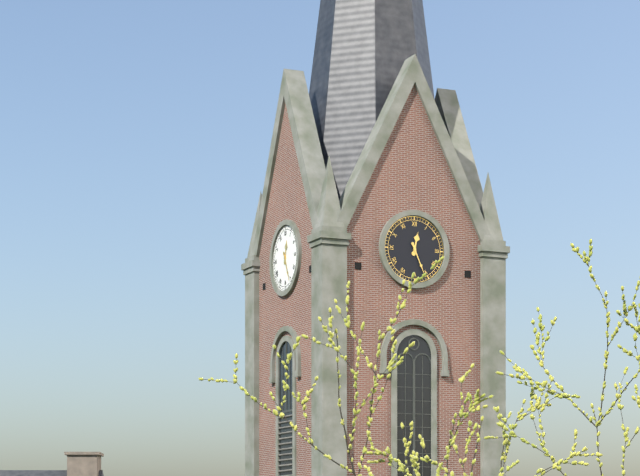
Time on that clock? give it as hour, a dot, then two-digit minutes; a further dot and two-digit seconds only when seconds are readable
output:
12.26
